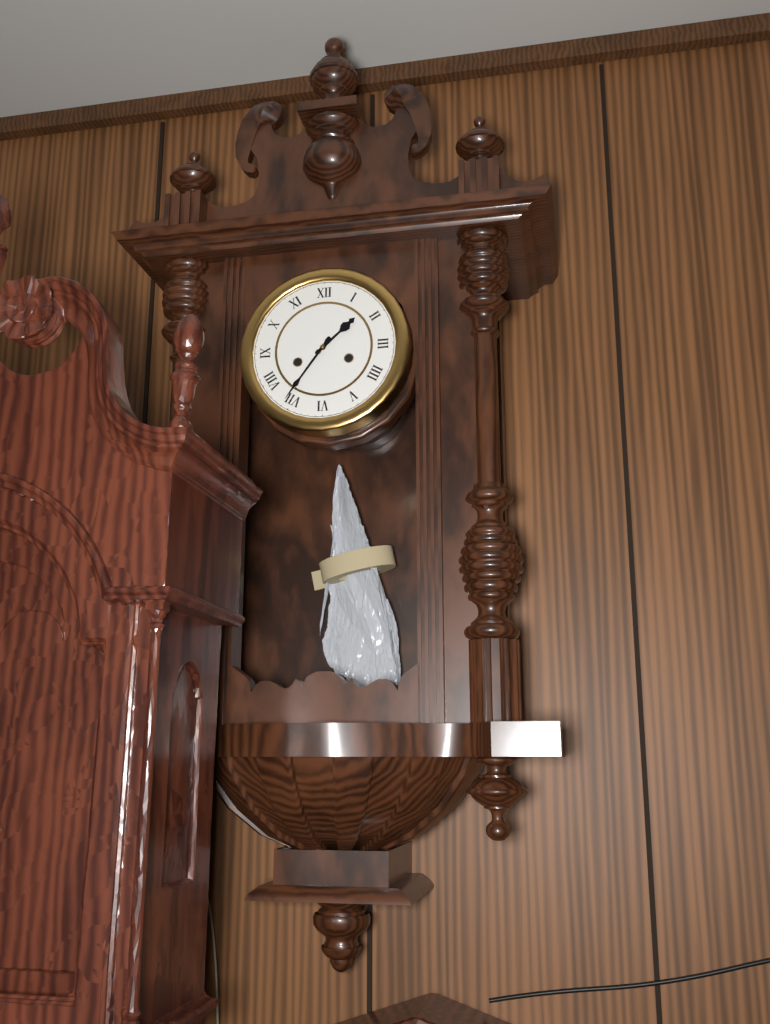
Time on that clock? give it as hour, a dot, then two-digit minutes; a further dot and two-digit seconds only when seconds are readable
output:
1.36
